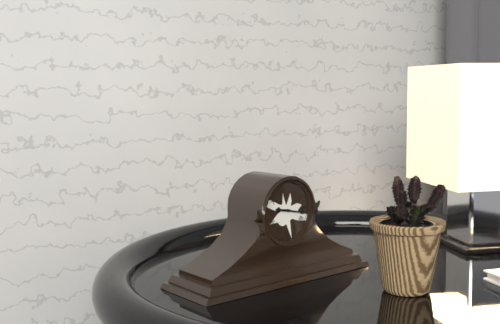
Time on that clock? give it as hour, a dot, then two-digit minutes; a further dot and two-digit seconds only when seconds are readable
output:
9.17
